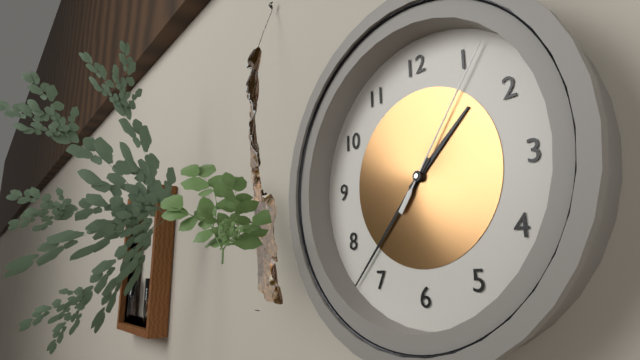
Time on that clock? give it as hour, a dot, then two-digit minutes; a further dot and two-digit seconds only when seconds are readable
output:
1.37.06
